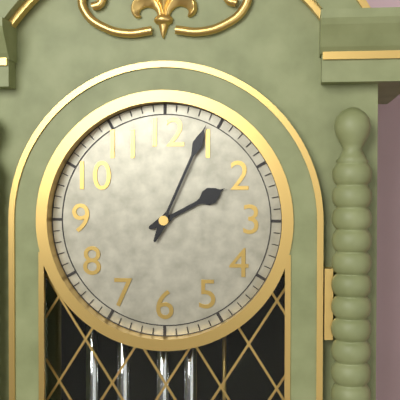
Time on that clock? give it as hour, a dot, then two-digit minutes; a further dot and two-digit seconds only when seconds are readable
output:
2.04
